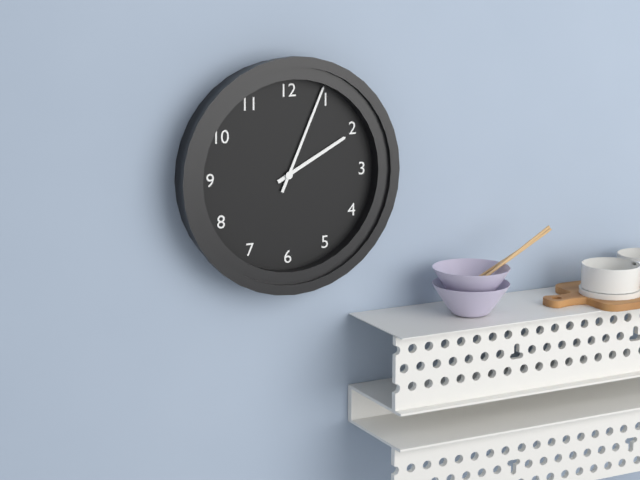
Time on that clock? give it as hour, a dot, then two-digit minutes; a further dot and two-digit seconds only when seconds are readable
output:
2.04
